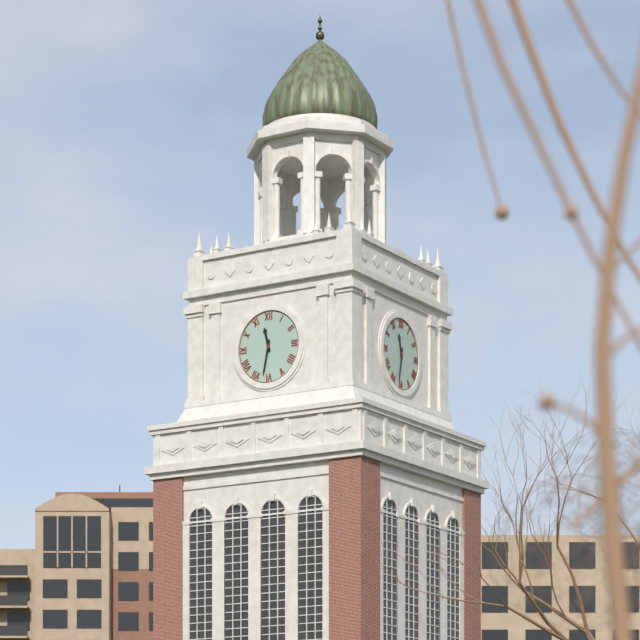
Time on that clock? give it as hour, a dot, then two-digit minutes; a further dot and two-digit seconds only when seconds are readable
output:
11.32
